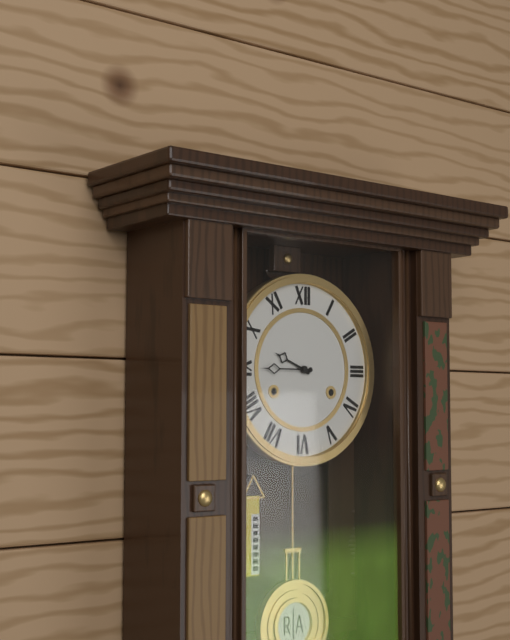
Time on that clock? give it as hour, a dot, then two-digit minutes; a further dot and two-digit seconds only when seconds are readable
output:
9.45
